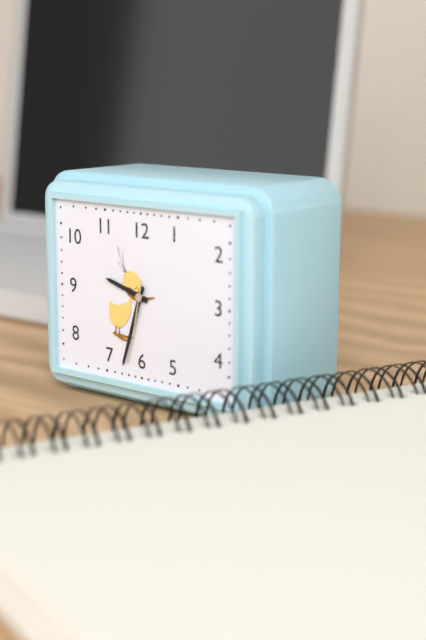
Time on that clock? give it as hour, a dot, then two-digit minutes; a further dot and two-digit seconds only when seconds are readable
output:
9.33.32
